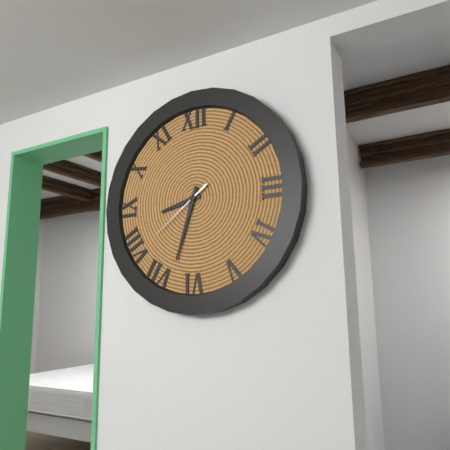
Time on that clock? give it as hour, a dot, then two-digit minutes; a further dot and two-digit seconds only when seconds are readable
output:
8.33.39
